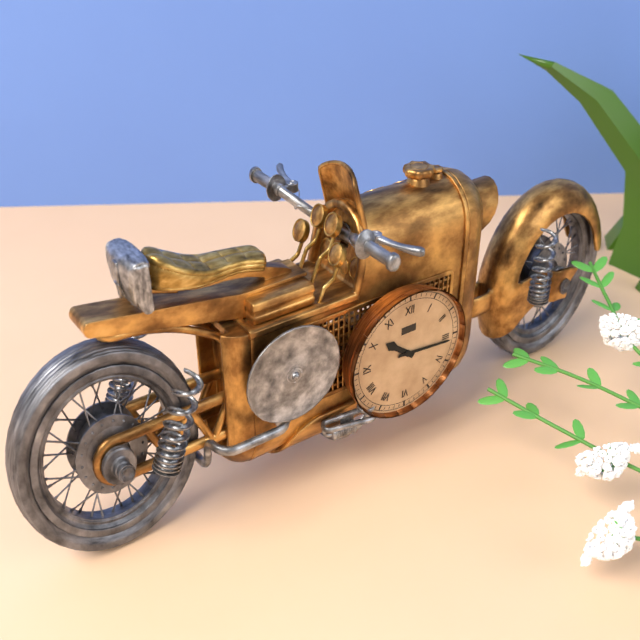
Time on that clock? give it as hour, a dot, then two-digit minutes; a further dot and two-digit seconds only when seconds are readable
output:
10.16
